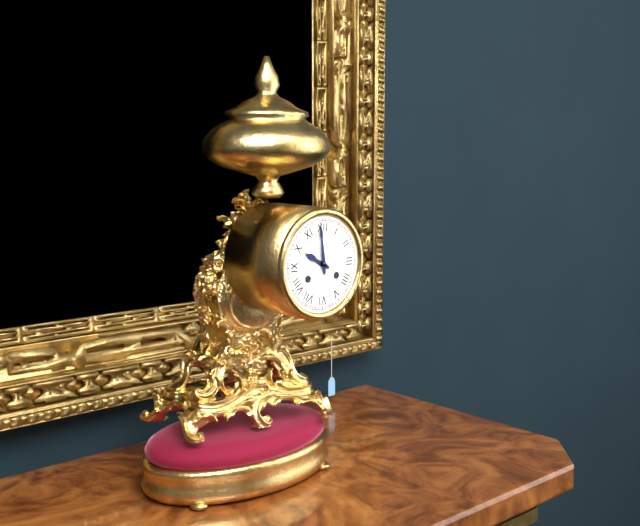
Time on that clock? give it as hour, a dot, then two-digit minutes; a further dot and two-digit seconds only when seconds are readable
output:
9.59
